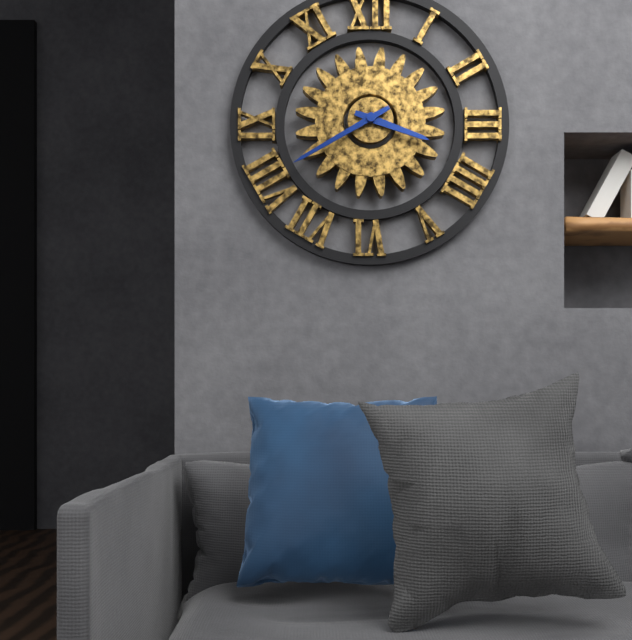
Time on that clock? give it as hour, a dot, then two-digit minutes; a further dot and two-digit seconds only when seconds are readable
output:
3.40
